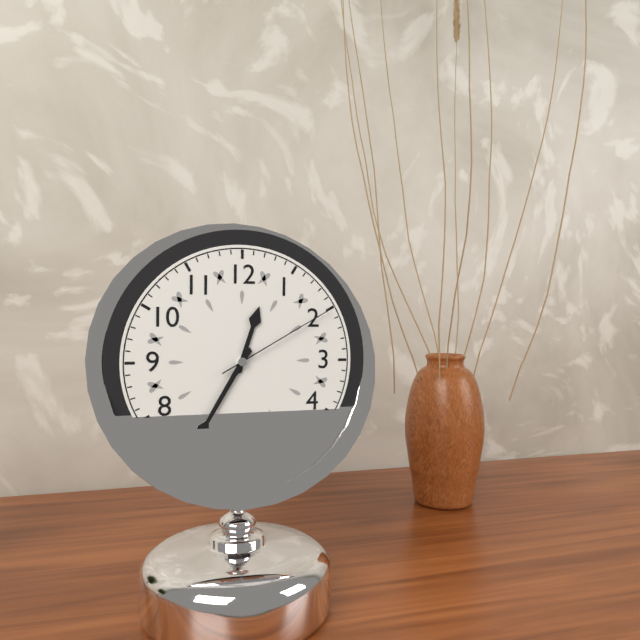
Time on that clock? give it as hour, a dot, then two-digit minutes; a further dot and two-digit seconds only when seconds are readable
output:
12.35.10
